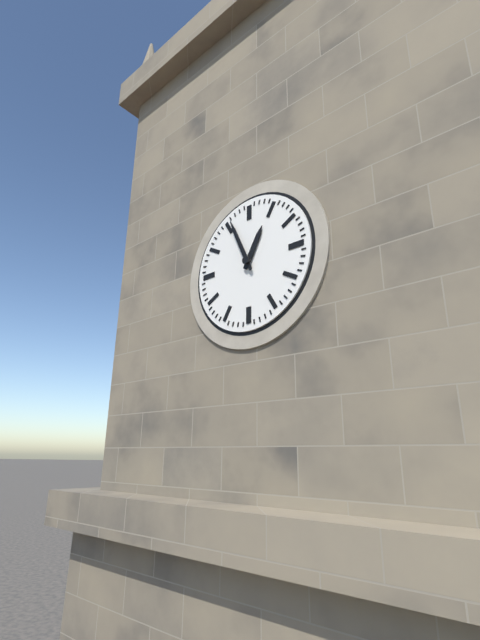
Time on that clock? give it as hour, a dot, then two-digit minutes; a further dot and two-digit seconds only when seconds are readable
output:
12.56
